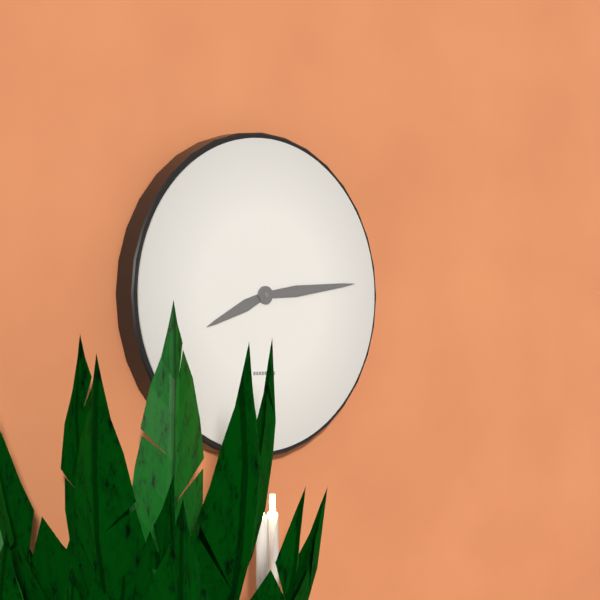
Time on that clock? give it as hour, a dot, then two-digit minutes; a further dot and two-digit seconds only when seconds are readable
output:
8.14
